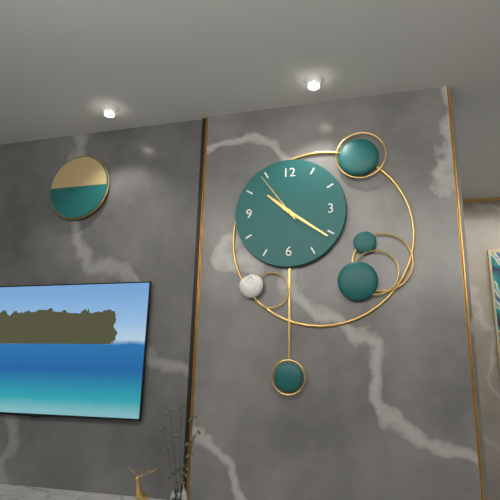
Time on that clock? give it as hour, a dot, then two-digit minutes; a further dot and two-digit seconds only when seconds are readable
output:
10.21.54
